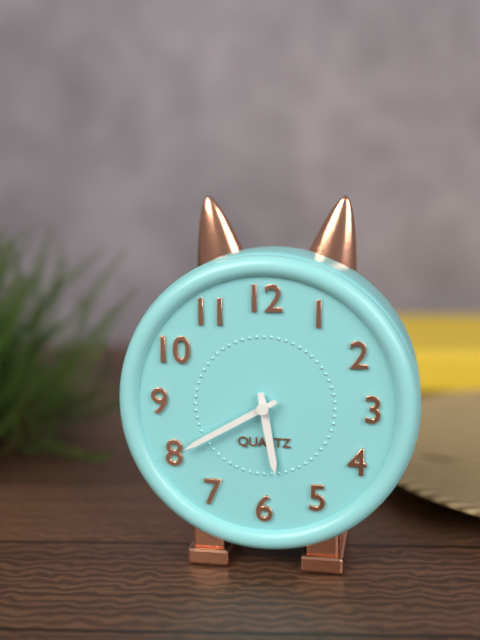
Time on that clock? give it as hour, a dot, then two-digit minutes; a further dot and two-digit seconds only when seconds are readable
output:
5.40
